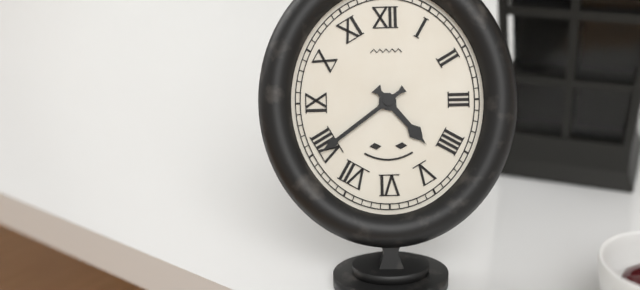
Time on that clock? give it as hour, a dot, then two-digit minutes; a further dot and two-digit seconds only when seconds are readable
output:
4.39
